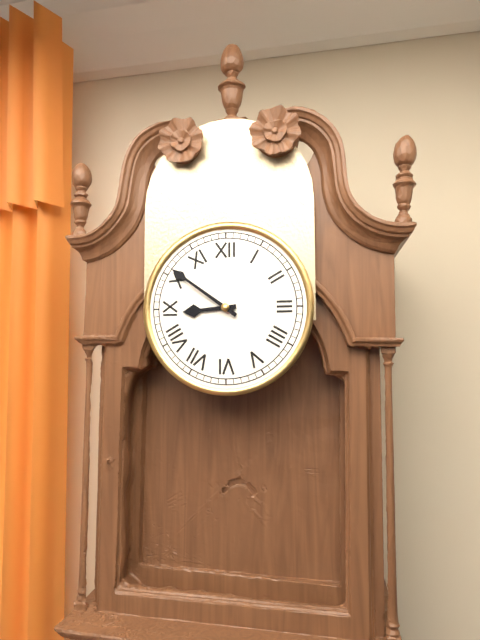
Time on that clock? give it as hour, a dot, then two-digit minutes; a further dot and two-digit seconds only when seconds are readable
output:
8.51
